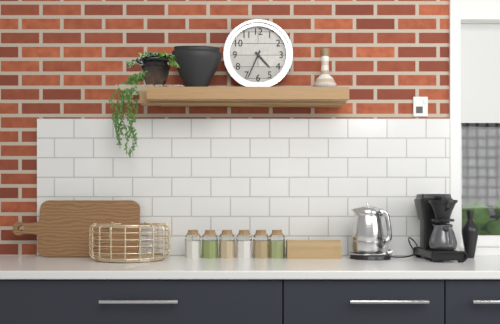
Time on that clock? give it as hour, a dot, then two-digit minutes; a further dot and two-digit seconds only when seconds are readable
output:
4.34
